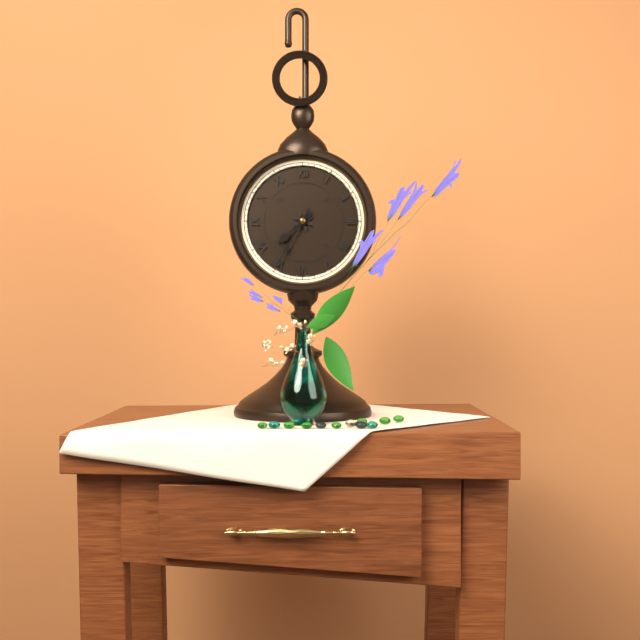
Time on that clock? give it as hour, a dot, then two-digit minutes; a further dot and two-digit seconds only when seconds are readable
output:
7.35
